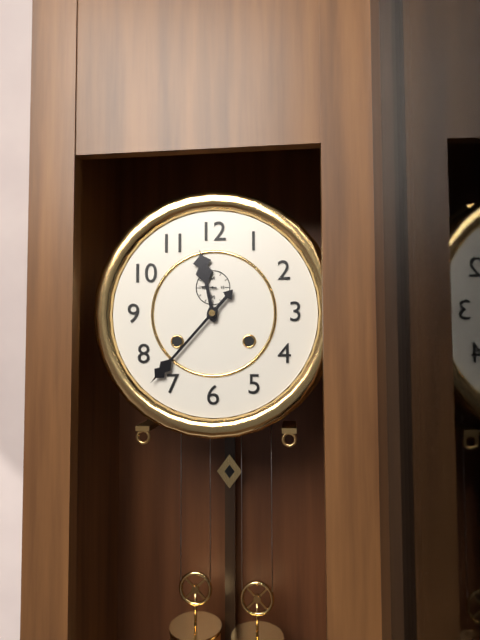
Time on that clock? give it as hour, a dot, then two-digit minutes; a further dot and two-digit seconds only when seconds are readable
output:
11.37
